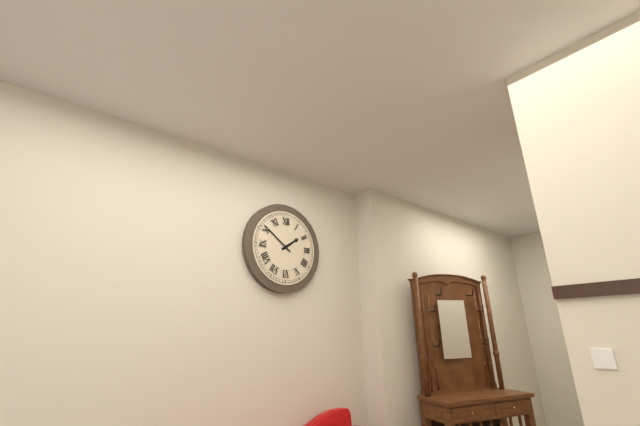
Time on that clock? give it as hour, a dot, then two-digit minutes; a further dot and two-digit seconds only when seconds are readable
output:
1.51
